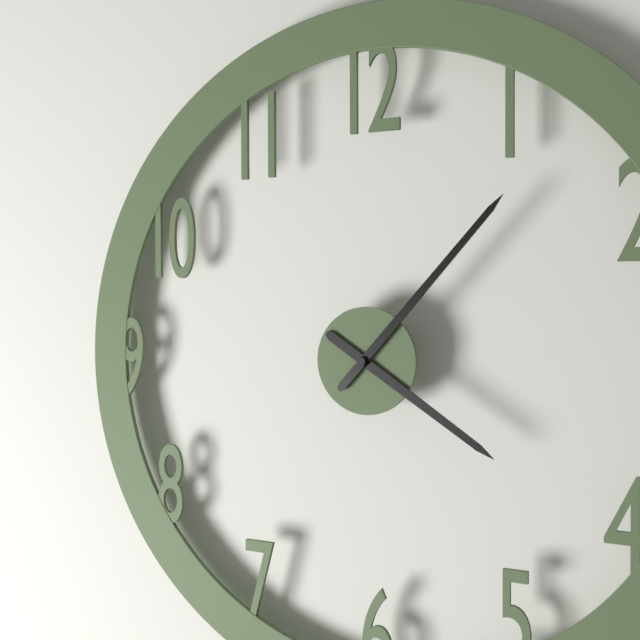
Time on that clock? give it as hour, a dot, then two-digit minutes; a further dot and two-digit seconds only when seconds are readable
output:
4.07
